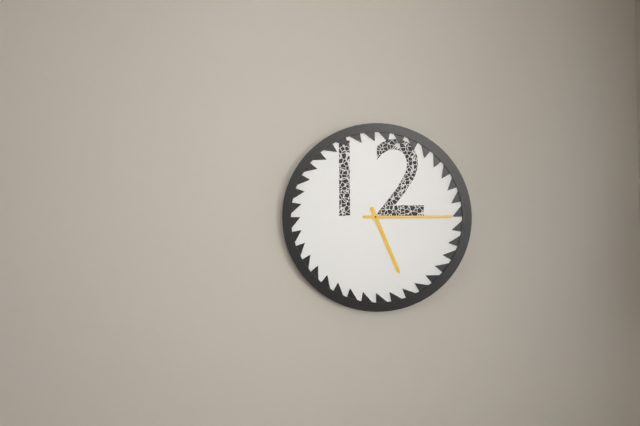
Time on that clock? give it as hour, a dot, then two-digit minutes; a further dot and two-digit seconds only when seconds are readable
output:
5.15
